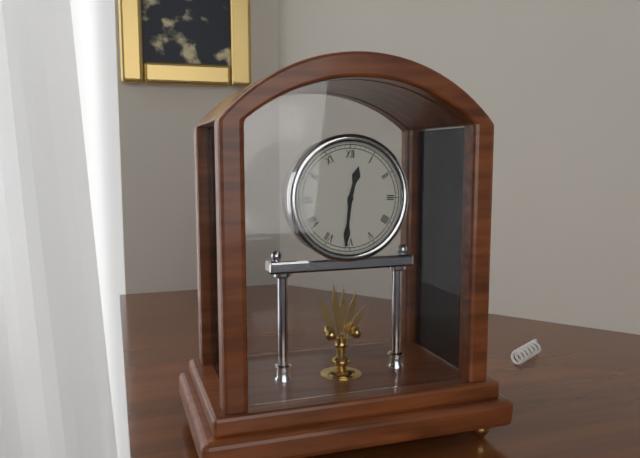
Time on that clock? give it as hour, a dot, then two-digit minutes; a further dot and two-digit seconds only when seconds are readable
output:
12.31
